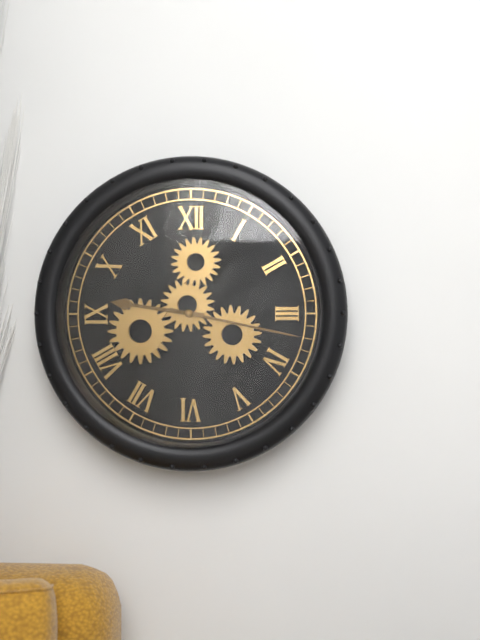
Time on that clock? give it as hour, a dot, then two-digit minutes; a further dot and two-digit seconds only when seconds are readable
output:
9.17
